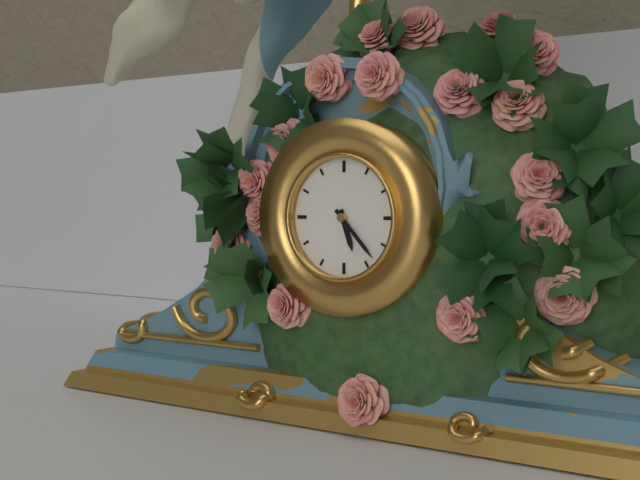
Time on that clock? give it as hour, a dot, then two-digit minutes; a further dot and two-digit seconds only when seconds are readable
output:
5.23
